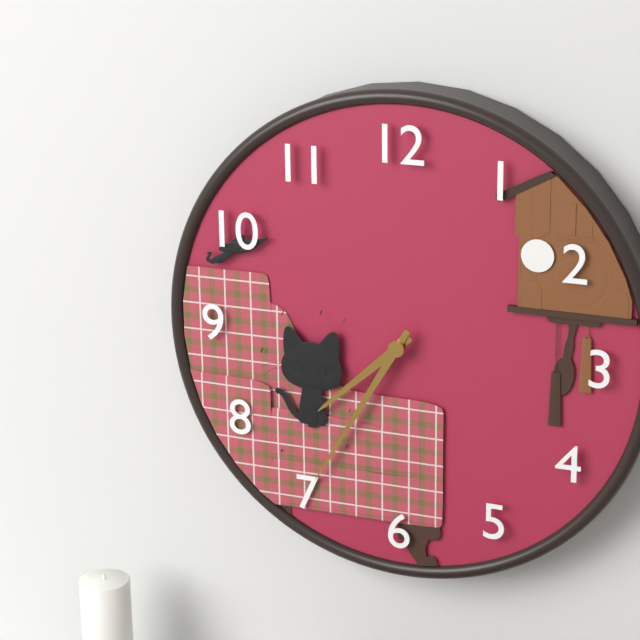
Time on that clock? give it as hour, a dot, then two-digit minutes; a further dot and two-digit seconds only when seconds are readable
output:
7.35
